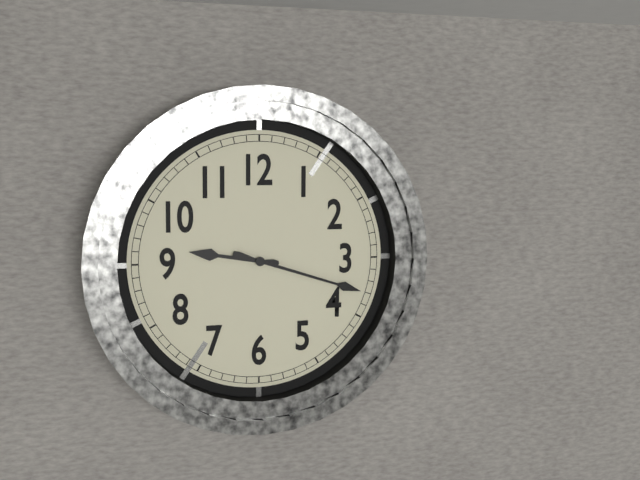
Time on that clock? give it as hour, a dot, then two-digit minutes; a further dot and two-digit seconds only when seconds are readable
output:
9.18
